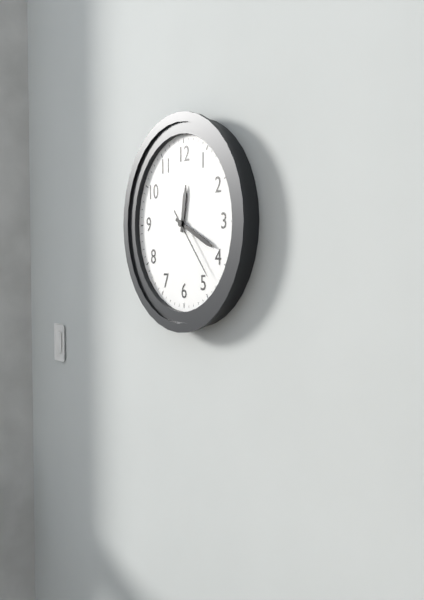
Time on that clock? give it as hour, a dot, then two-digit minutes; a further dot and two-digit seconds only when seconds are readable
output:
12.19.23
